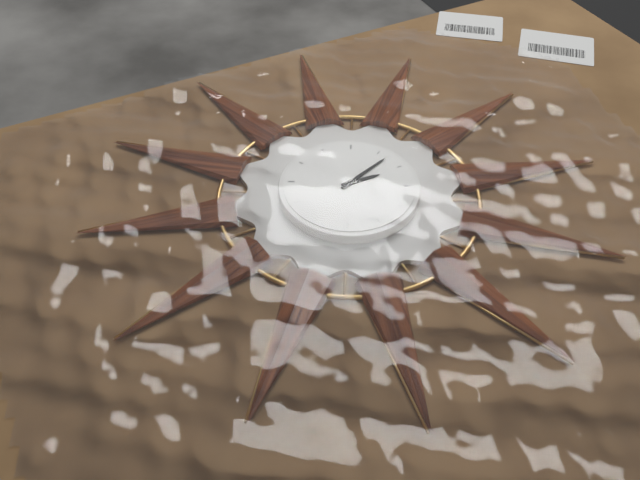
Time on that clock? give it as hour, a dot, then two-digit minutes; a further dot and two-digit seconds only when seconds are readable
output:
2.07
